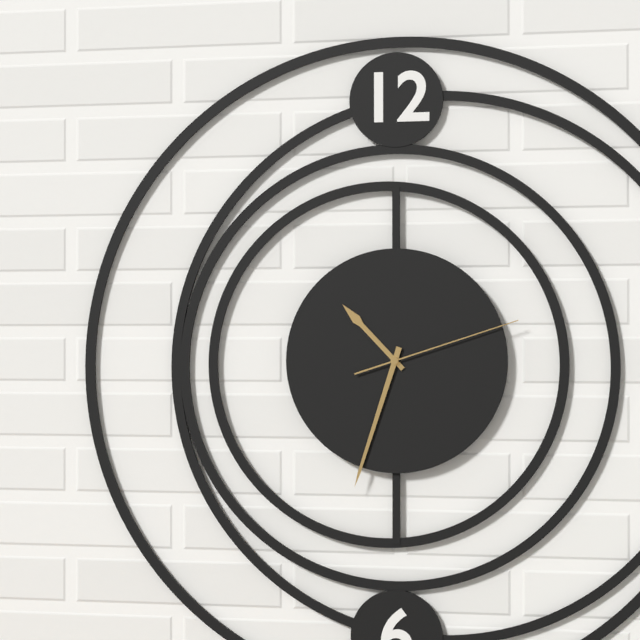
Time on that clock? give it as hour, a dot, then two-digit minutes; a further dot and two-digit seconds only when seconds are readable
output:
10.33.12
